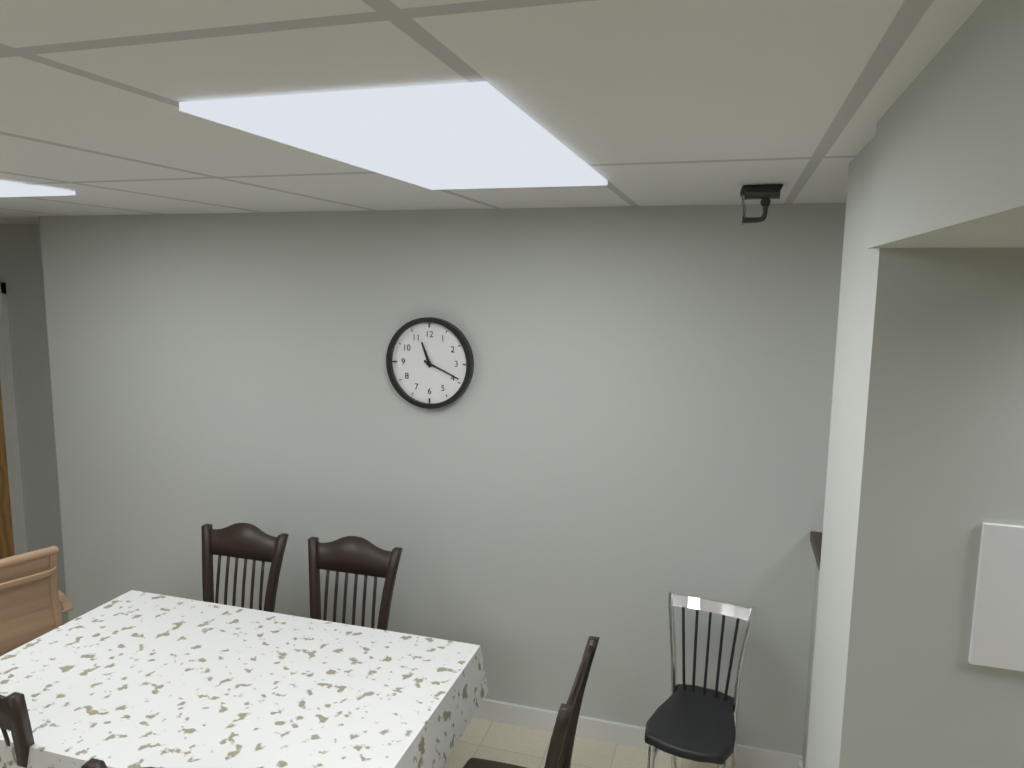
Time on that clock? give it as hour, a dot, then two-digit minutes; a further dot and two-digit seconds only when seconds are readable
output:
11.19
